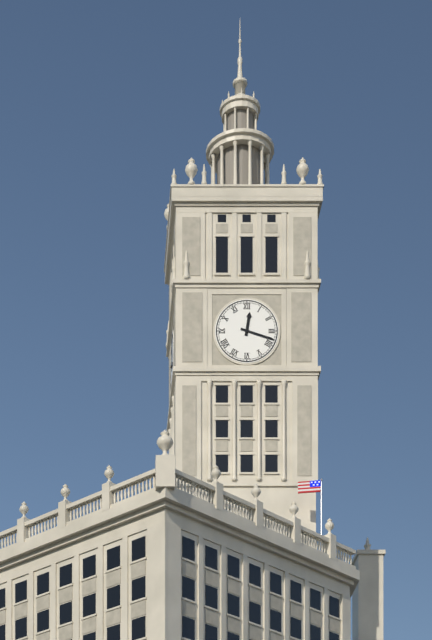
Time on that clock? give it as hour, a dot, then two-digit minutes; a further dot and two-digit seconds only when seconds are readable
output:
12.18
